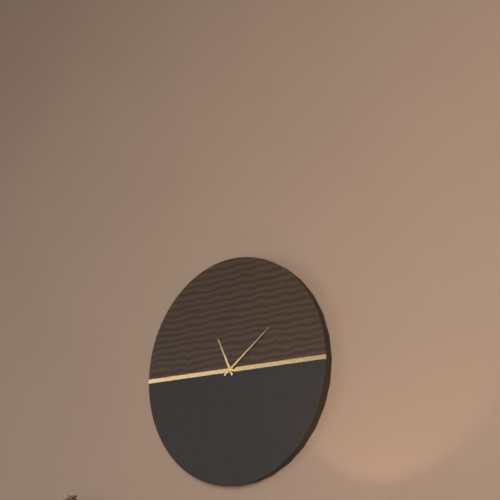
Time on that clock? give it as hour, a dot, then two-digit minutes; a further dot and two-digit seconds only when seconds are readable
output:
11.09
